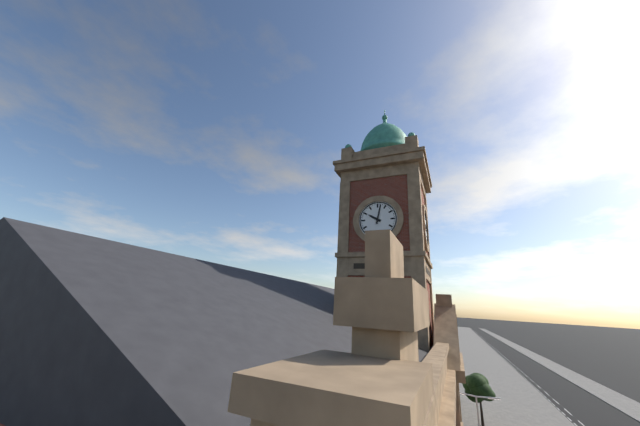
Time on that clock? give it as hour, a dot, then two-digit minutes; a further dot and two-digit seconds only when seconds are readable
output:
10.02
